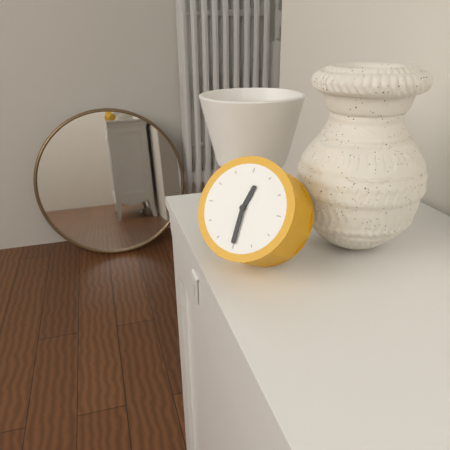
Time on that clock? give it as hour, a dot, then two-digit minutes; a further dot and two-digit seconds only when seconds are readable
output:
12.30
